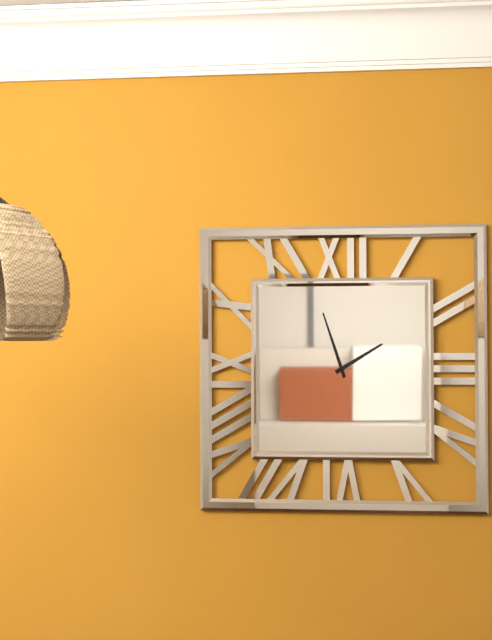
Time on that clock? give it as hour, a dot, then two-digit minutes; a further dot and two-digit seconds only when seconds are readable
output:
1.57
